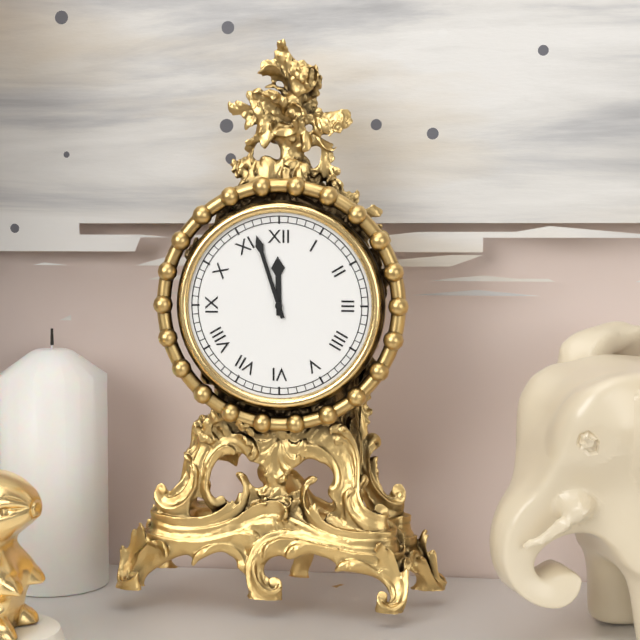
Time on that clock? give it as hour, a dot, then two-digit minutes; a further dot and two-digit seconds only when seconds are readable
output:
11.57
